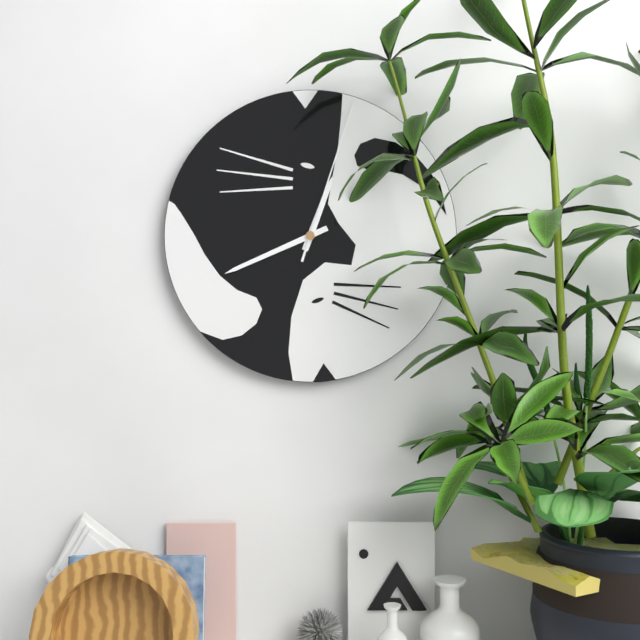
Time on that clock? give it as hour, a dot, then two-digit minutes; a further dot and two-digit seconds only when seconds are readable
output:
12.41.03
